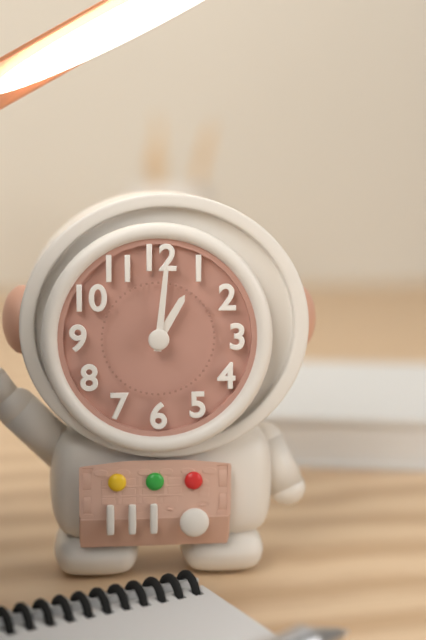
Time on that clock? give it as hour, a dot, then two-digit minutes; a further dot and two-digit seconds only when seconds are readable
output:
1.01
